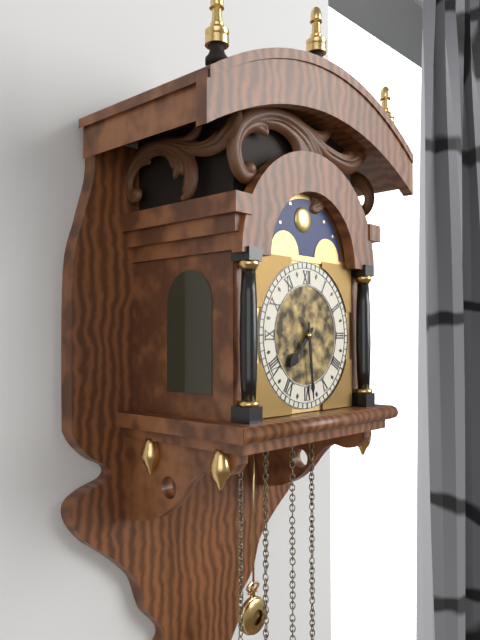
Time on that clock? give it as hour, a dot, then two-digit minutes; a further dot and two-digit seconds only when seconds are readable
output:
7.29
